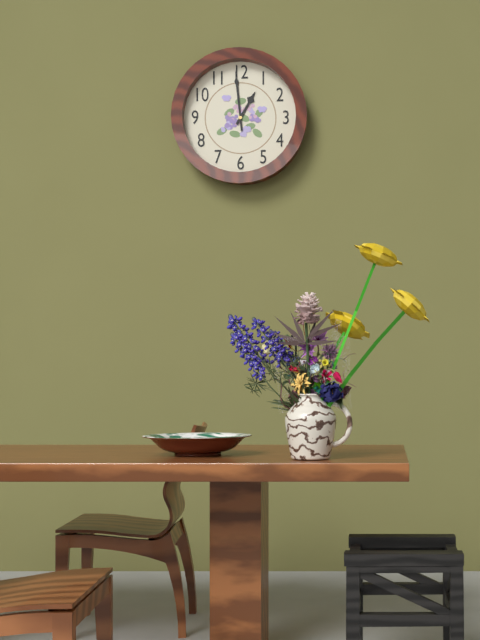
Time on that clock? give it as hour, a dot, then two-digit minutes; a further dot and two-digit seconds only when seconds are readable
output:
12.59
